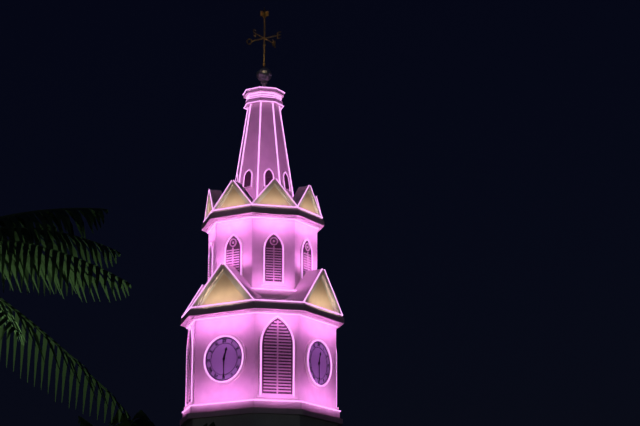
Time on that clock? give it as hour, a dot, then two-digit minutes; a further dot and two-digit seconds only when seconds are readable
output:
12.30
